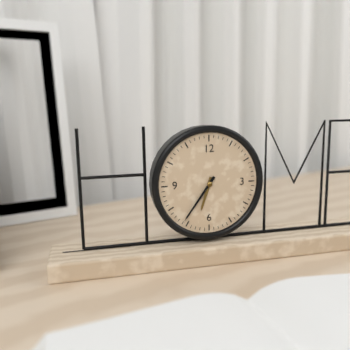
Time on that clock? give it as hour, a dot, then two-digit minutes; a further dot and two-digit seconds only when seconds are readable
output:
6.36
